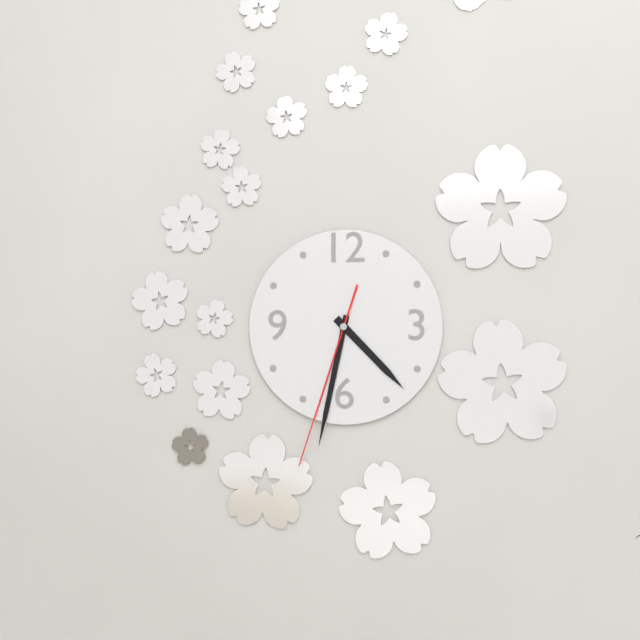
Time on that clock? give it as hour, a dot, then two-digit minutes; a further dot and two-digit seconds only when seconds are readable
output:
4.32.33
